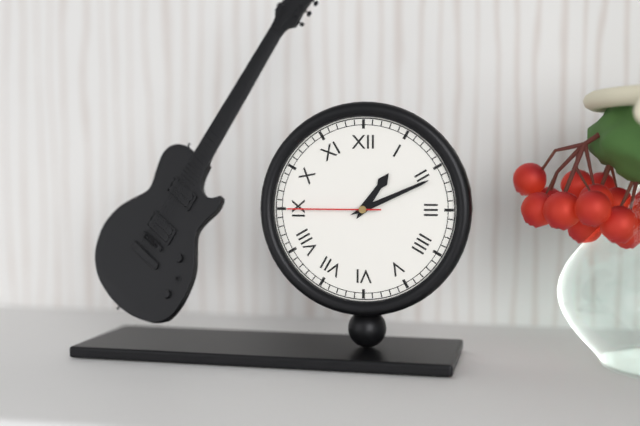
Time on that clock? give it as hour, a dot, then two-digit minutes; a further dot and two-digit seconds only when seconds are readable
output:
1.11.45
